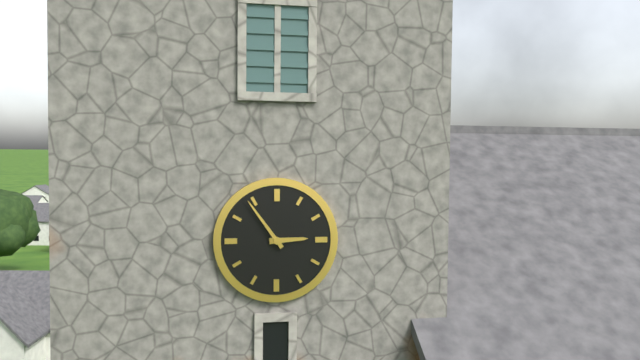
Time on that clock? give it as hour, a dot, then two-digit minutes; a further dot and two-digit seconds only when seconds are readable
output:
2.54
